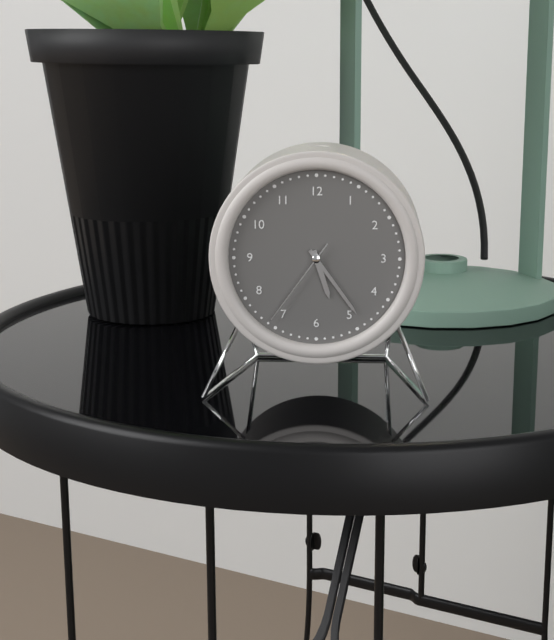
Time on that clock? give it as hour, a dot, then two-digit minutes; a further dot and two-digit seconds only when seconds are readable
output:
5.24.36
